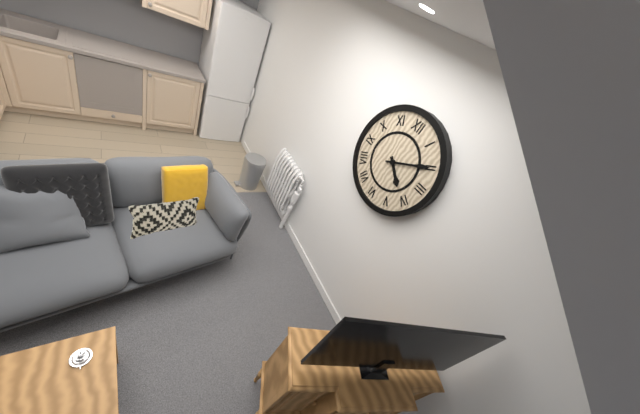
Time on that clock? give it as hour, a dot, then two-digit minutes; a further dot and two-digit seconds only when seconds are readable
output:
4.10
